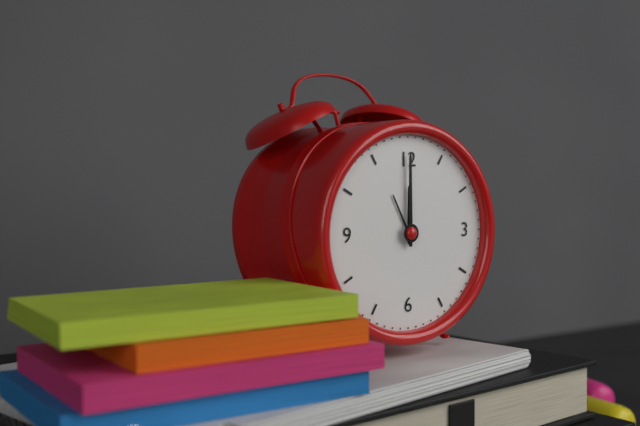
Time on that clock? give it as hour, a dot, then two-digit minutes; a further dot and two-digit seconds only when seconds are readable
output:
12.00
